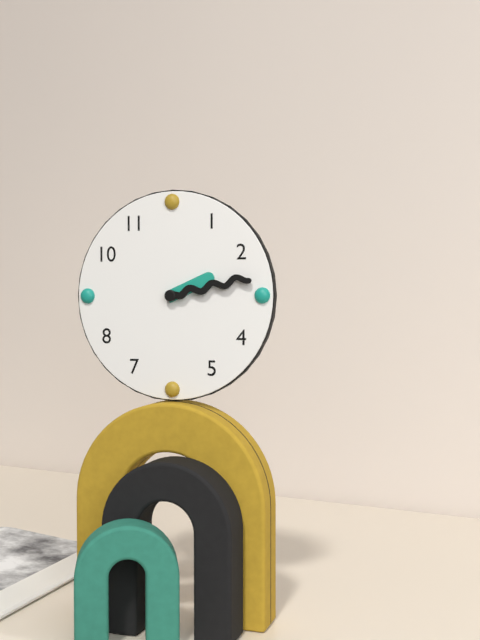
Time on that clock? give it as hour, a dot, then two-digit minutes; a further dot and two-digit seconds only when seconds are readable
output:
2.13
